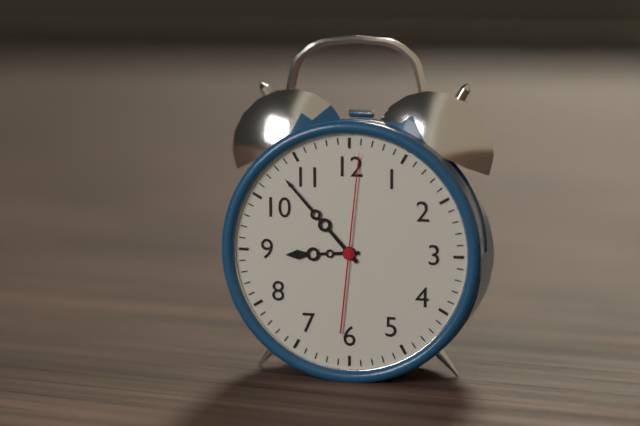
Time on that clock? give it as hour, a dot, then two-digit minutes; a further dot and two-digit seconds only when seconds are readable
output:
8.53.01
